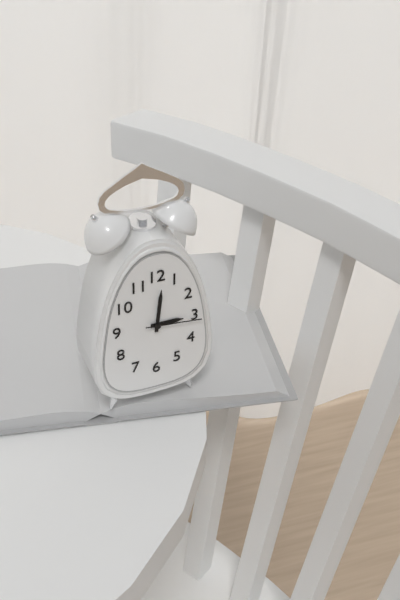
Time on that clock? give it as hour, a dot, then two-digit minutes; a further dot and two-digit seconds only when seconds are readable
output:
3.01.16
